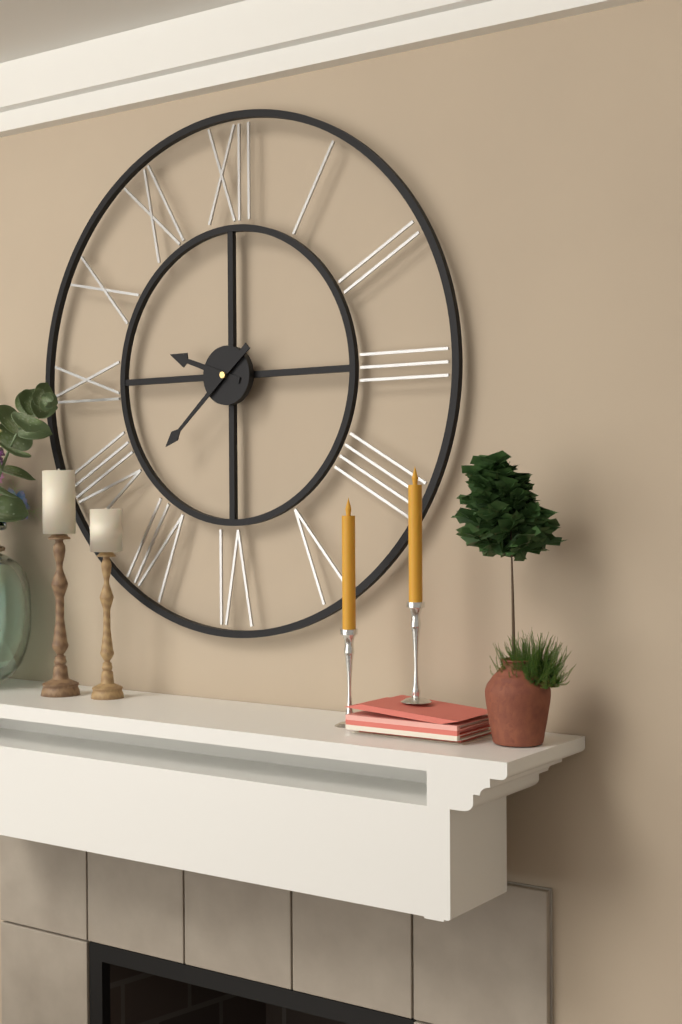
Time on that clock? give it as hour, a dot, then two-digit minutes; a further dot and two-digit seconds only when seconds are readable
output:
9.38
